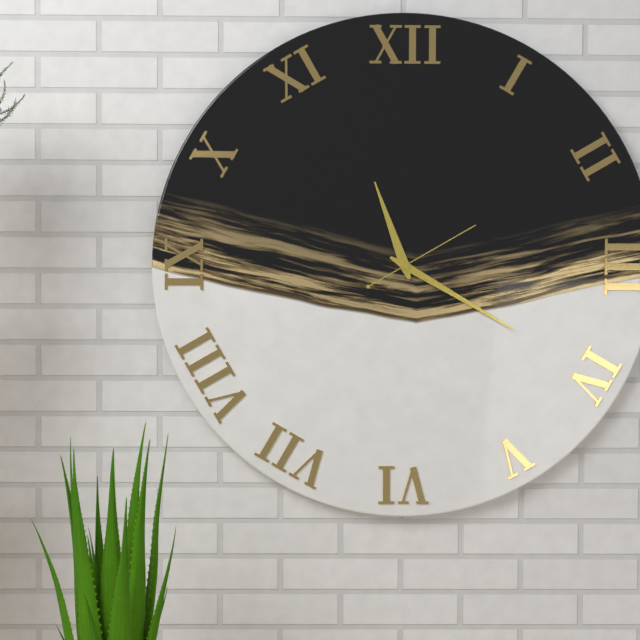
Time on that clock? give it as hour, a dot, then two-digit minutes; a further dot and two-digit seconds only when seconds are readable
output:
11.20.10
